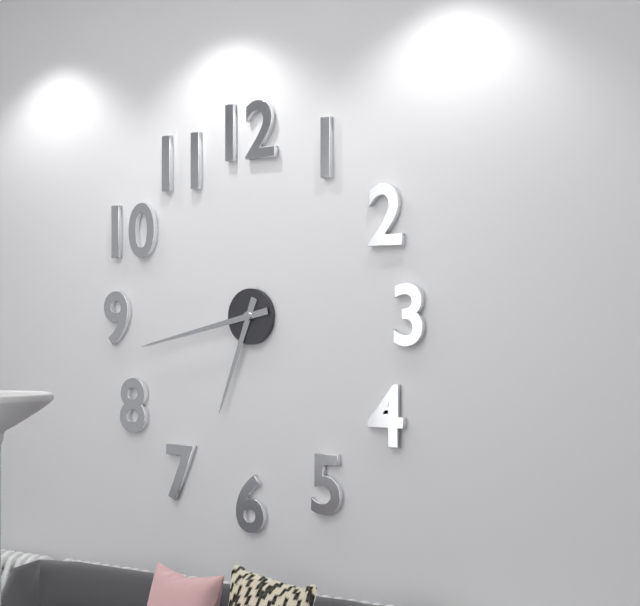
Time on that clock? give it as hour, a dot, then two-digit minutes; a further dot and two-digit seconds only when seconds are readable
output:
6.43
